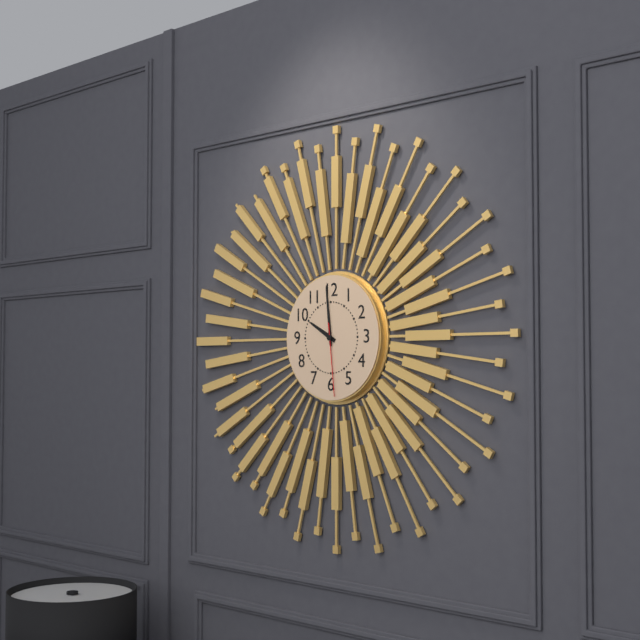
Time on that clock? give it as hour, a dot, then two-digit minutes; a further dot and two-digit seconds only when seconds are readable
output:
9.59.29
